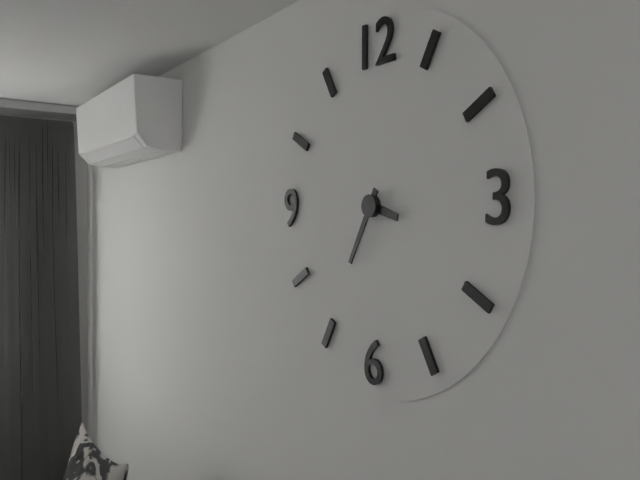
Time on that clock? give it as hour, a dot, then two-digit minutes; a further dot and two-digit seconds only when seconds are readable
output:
3.35
